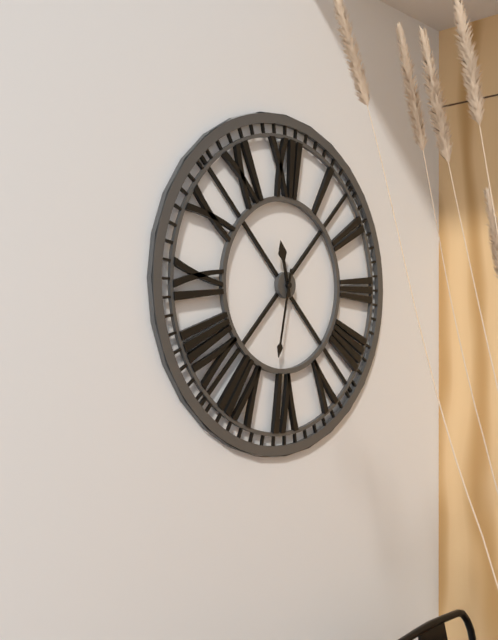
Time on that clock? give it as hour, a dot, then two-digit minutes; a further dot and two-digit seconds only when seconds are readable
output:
11.32
